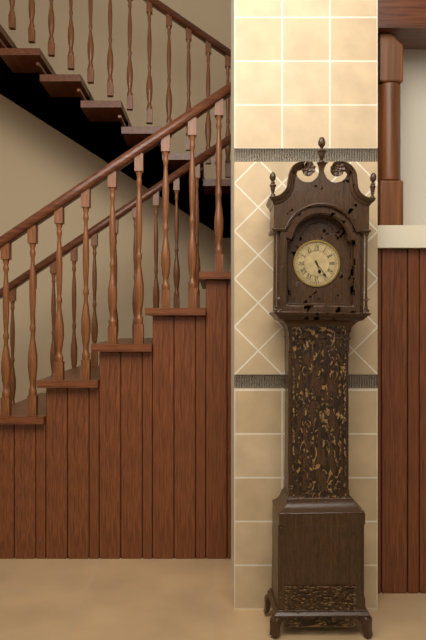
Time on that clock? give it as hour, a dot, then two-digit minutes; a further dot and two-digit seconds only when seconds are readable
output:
5.24
